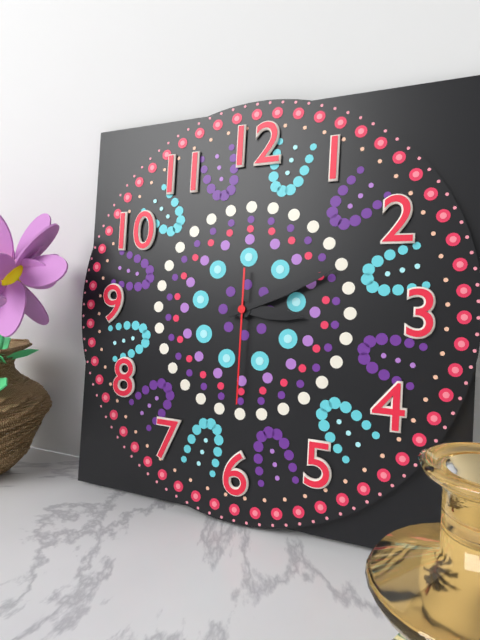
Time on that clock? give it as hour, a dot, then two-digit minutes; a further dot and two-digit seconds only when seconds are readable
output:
3.11.30
